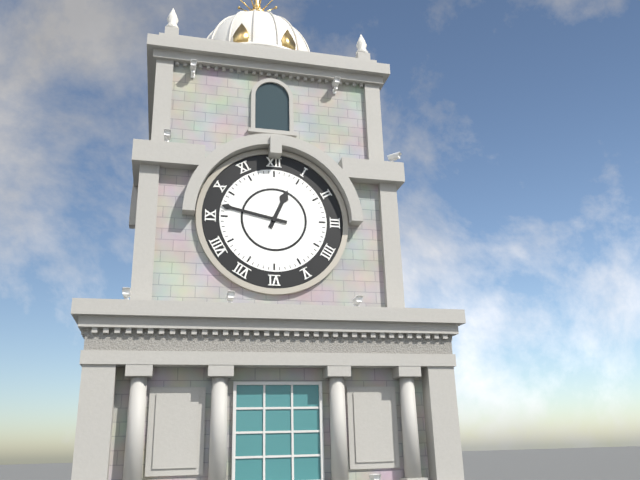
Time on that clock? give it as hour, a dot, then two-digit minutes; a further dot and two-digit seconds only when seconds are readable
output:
12.47
